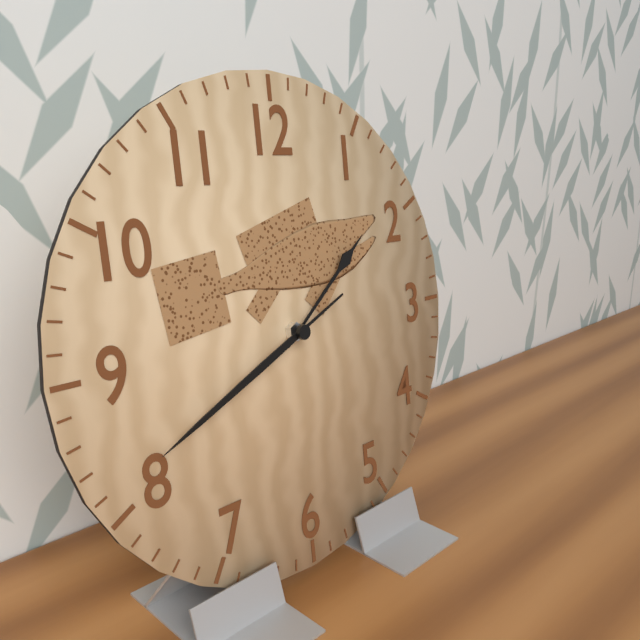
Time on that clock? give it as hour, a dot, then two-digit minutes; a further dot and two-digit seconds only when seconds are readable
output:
1.41
